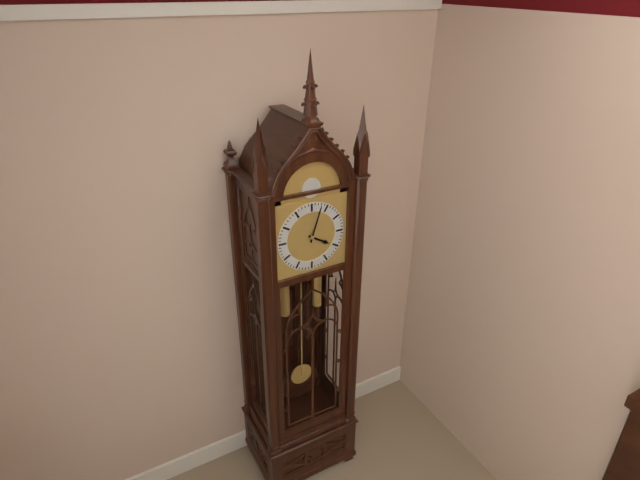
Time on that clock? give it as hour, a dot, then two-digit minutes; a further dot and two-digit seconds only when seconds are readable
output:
4.03
